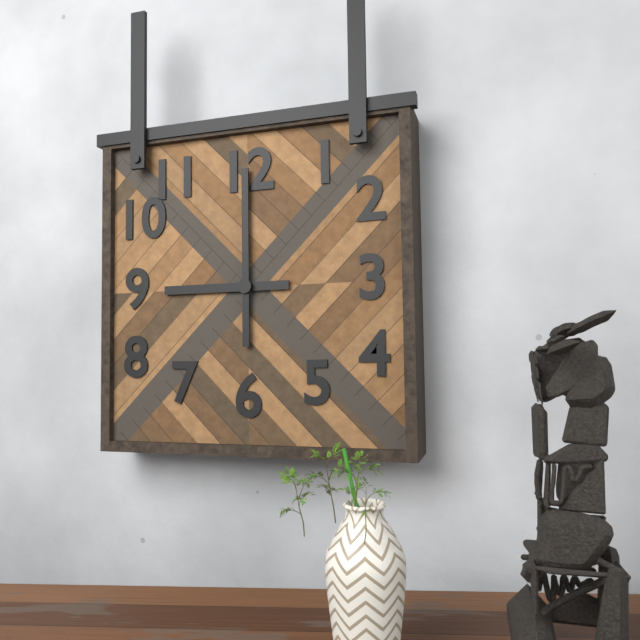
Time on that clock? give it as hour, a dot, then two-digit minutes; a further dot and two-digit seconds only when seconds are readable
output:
9.00
